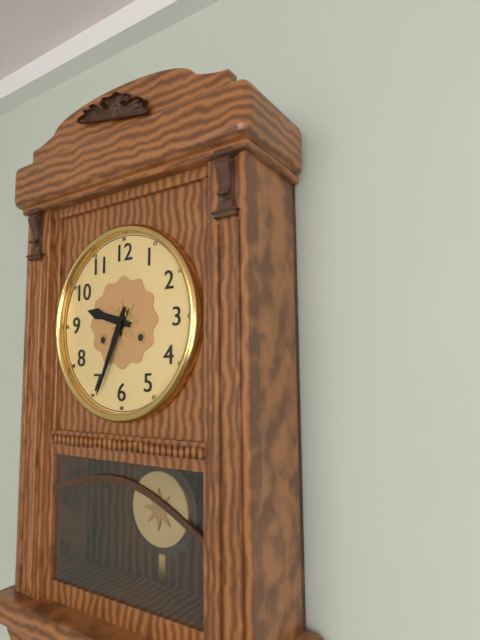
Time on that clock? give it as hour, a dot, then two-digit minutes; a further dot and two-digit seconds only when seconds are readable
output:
9.34
